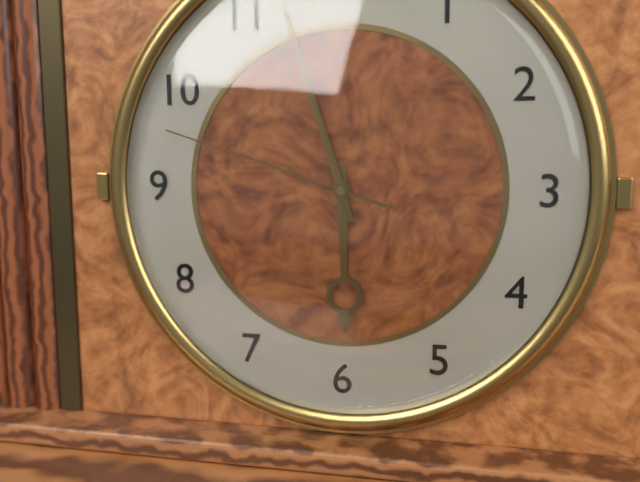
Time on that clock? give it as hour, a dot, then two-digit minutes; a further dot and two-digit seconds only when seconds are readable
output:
5.57.48
